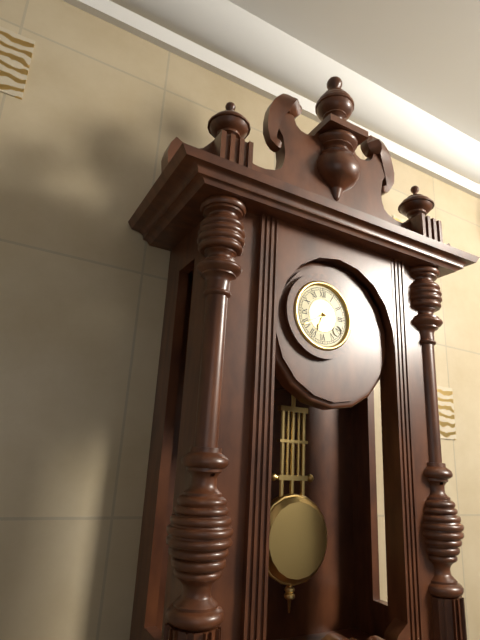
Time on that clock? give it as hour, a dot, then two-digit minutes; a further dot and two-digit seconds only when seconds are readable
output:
6.40
